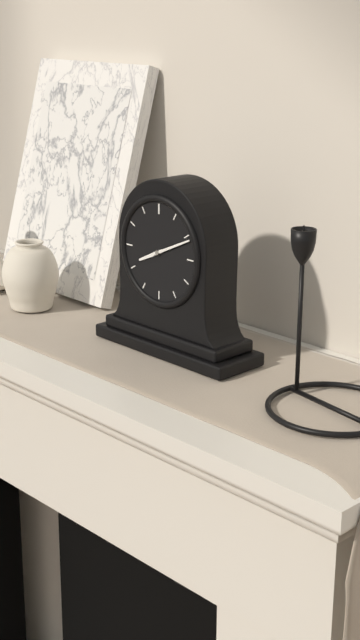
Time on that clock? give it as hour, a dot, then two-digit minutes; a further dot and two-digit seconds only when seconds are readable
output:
8.11
